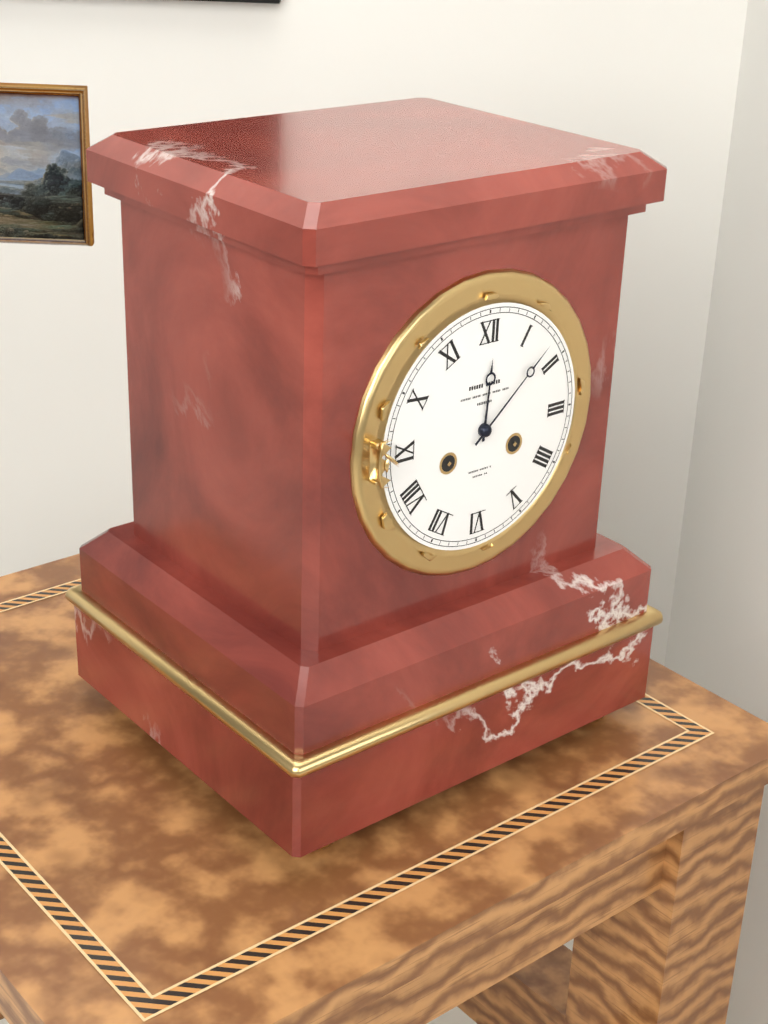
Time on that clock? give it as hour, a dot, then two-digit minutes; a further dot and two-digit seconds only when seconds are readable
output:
12.08
